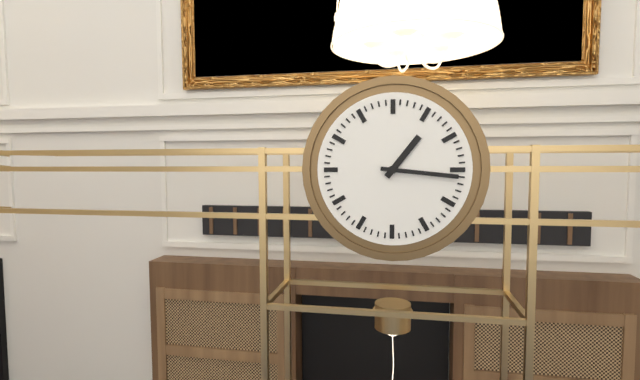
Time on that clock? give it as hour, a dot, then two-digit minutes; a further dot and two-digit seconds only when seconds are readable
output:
1.16
